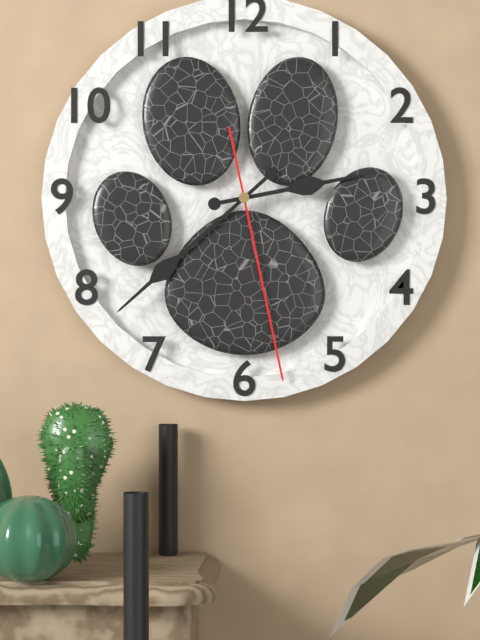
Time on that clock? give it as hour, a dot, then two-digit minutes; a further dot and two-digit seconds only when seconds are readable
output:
2.38.28
